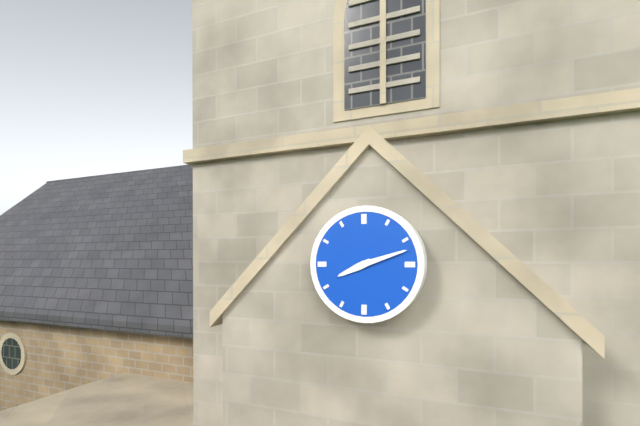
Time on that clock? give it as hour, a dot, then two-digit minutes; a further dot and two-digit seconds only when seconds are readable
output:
8.12
